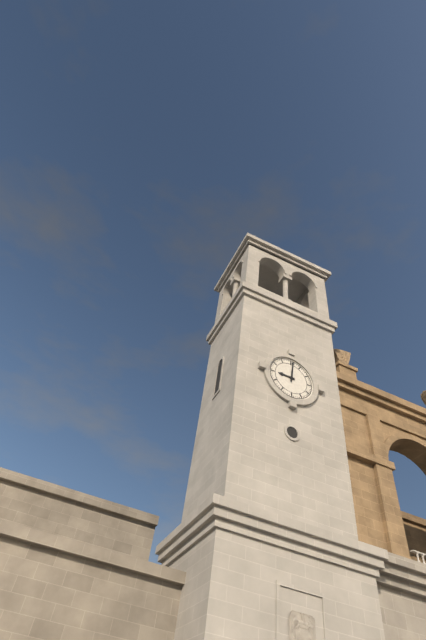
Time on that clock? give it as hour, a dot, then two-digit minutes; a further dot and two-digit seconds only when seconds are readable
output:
9.01
